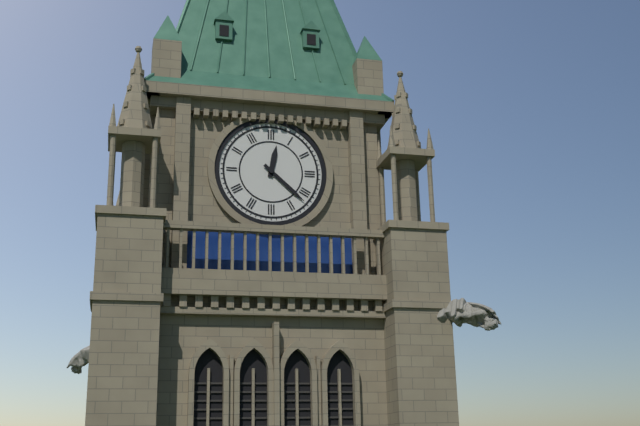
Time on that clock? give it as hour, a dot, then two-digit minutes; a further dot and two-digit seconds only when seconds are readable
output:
12.22
